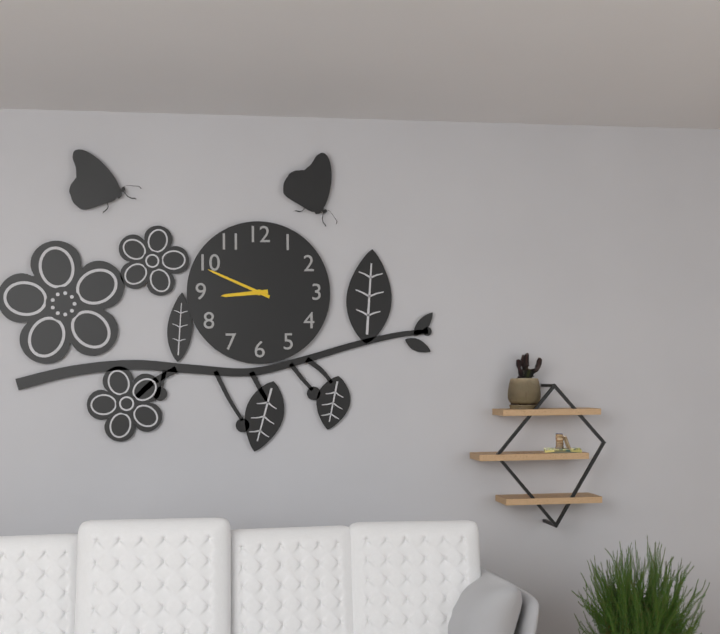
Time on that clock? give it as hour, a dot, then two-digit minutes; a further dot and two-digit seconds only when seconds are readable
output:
8.49
